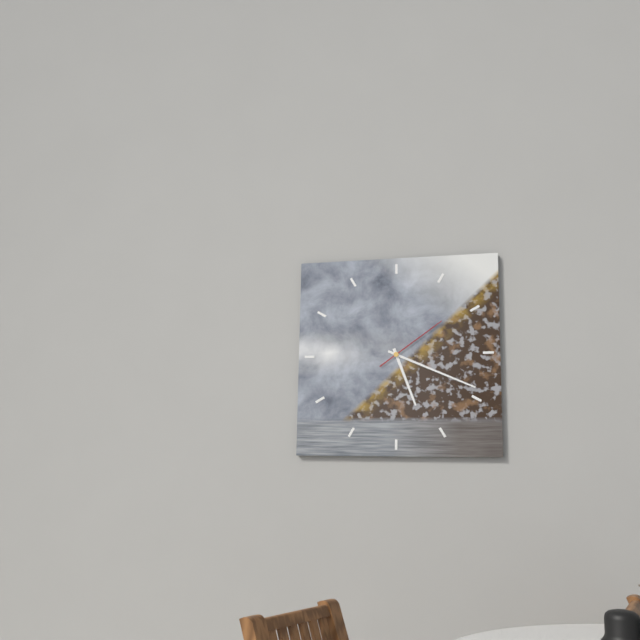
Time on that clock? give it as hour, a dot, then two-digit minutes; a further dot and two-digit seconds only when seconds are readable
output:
5.19.09
